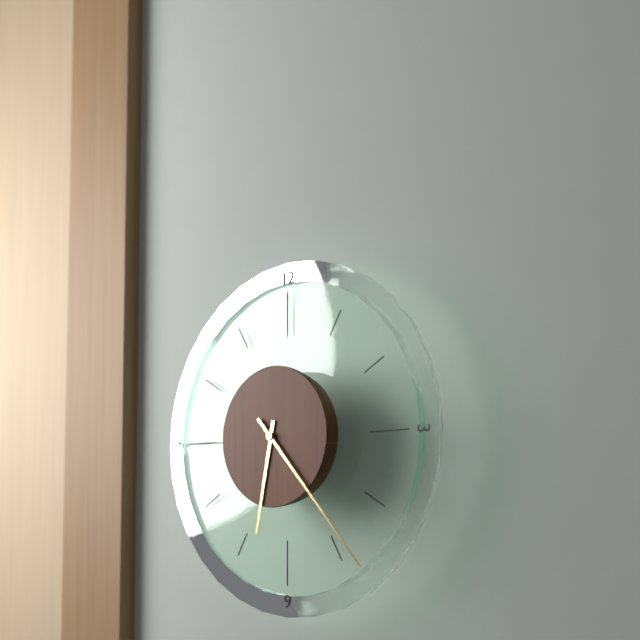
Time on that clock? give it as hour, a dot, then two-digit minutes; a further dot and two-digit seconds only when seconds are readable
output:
6.23
